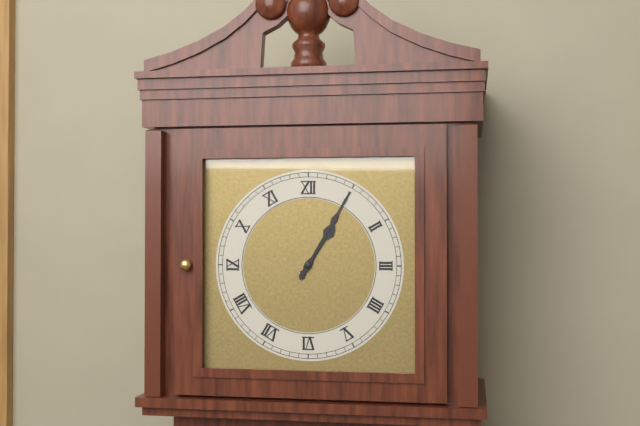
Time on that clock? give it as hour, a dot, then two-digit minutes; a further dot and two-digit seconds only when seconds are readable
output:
1.05
